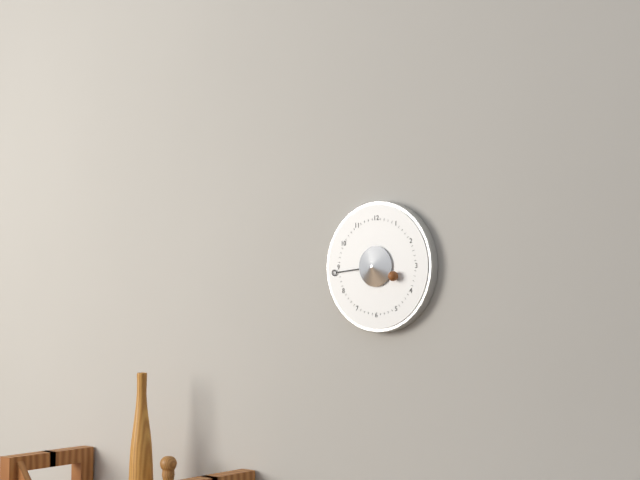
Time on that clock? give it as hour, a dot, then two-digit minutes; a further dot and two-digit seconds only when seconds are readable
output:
3.44
